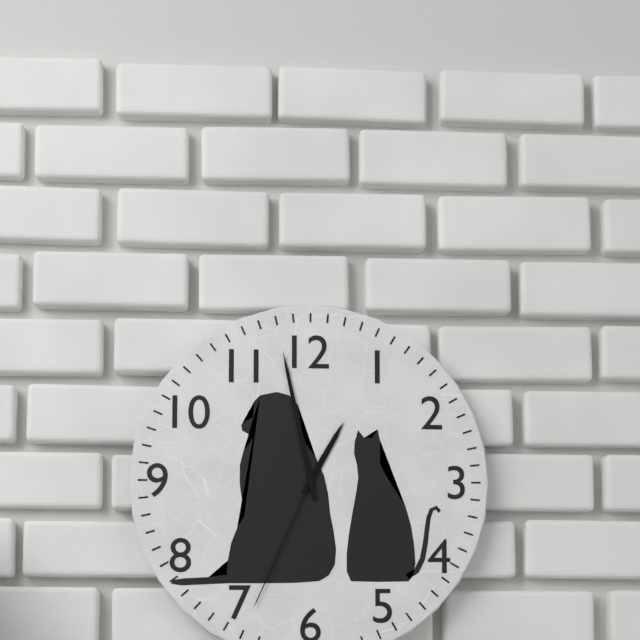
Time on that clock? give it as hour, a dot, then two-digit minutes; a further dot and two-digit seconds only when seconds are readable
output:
12.58.34
